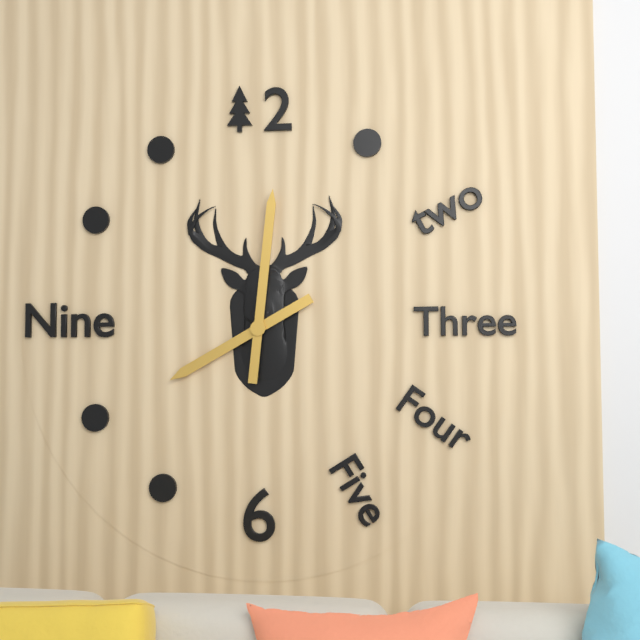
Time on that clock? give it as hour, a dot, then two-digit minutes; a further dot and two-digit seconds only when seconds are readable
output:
8.01
